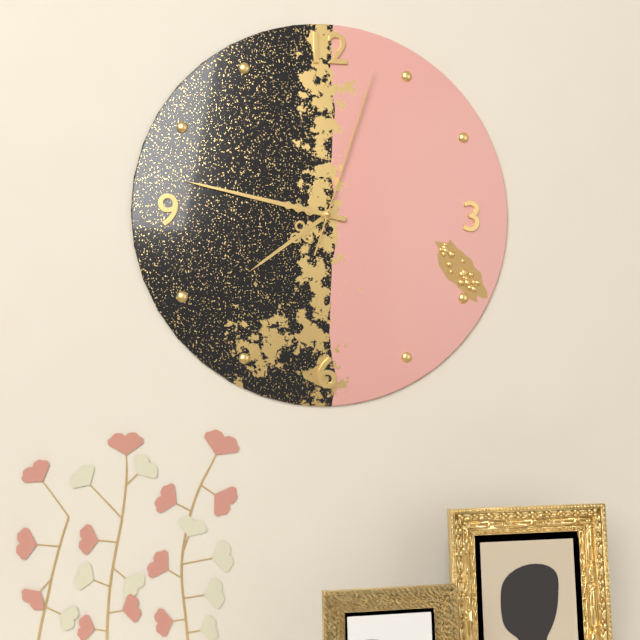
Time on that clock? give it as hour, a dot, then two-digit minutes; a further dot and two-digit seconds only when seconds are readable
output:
7.47.03
